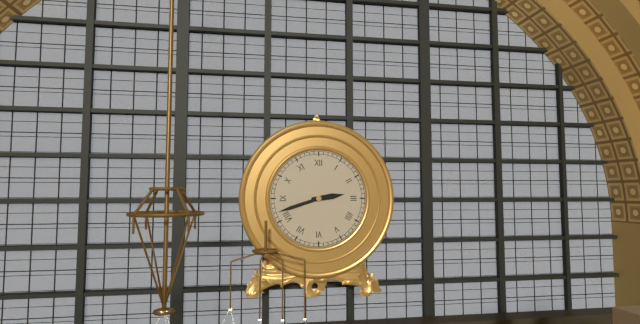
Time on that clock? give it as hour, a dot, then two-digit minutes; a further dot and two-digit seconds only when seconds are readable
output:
2.42
